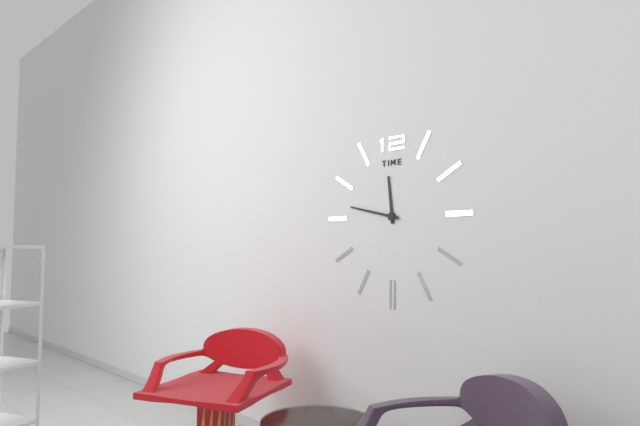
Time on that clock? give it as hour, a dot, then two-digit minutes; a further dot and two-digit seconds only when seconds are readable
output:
11.47
